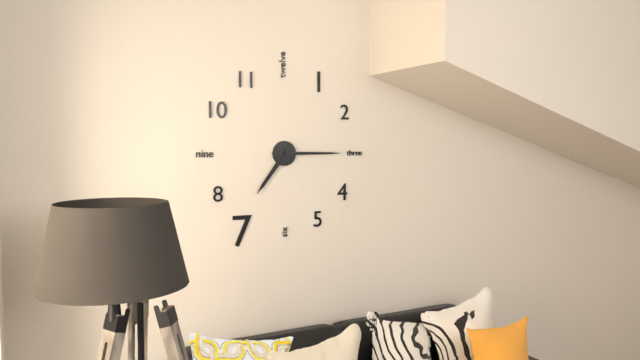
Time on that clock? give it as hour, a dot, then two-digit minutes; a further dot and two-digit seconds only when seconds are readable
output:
7.15
